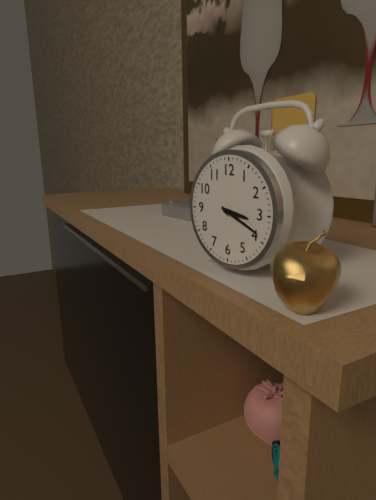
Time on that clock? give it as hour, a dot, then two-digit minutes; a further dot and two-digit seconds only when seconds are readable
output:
3.19
